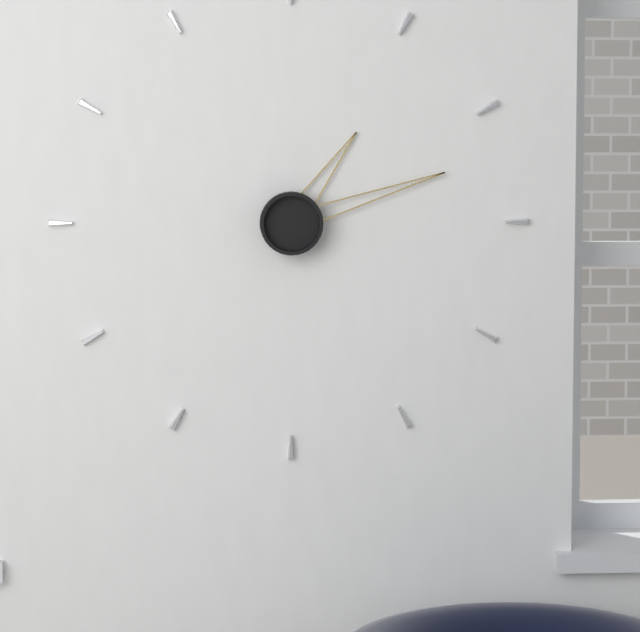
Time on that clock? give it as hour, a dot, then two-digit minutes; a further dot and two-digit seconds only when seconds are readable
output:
1.12
